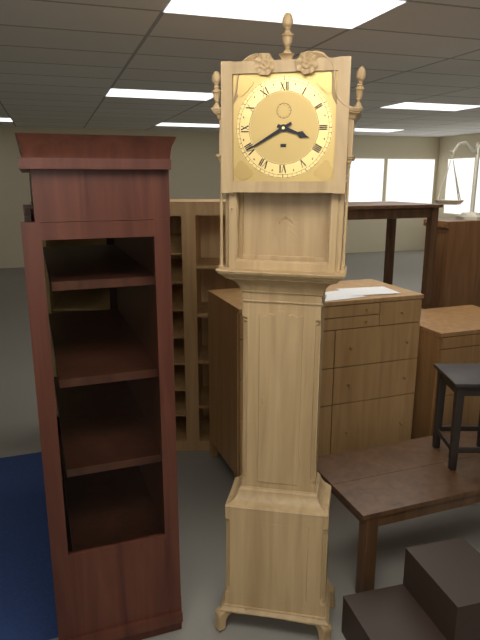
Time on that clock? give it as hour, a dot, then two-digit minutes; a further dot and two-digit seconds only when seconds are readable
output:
3.40
